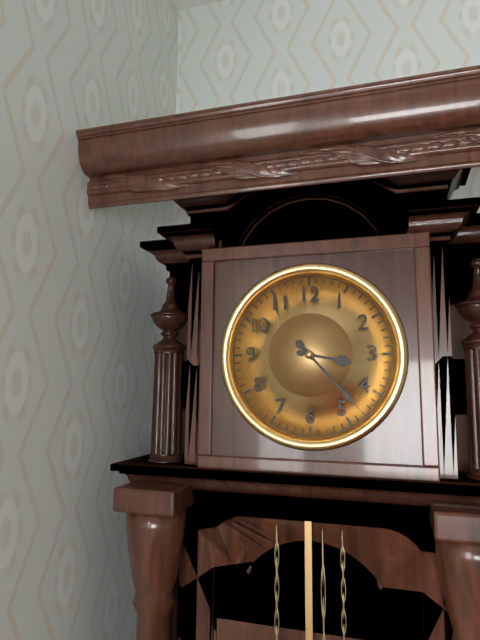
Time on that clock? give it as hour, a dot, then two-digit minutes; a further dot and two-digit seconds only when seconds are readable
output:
3.23
